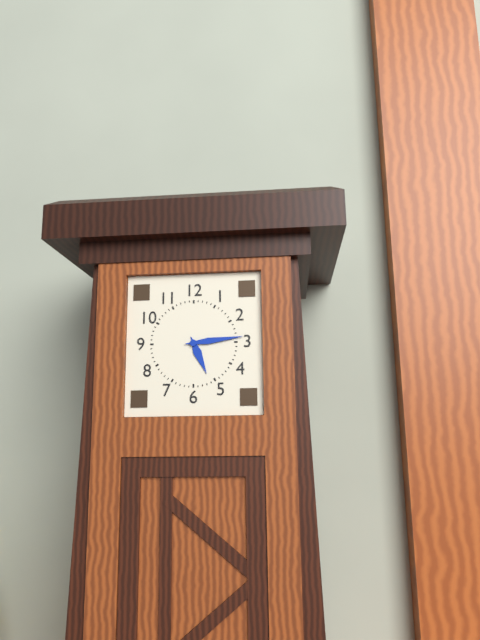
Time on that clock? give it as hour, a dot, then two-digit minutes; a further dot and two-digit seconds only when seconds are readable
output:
5.14
